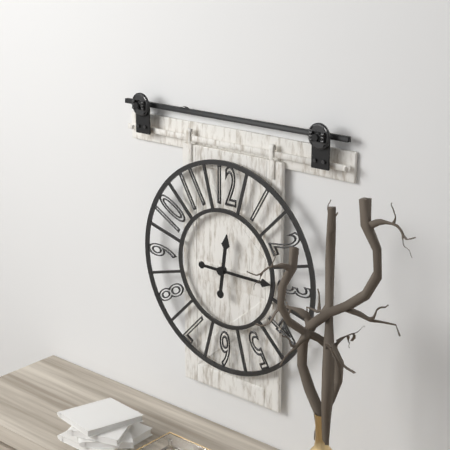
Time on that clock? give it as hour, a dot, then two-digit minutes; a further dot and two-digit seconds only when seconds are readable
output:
12.15
